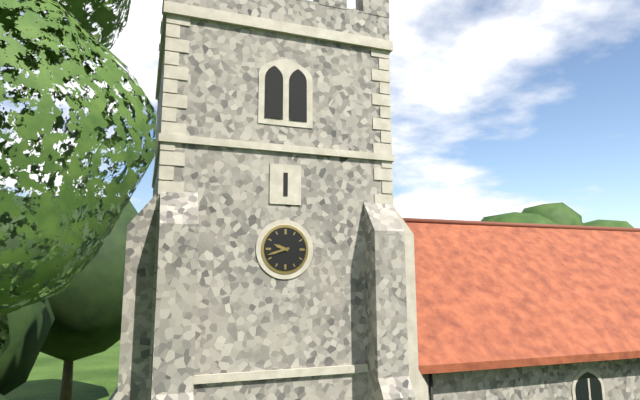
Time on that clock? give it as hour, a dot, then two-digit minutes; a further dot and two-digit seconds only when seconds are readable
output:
9.42
